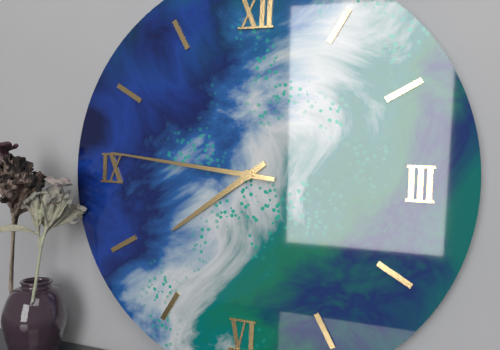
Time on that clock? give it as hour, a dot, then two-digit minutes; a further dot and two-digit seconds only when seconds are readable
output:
7.46
